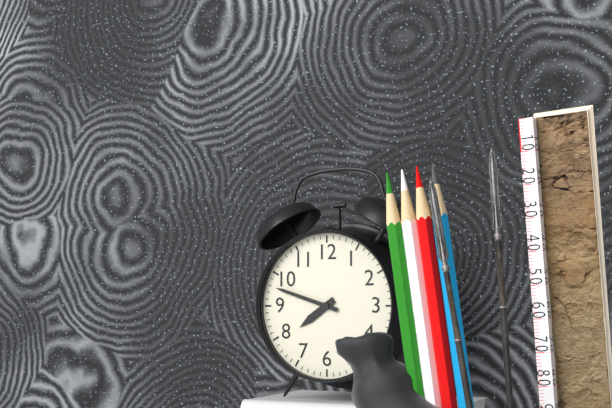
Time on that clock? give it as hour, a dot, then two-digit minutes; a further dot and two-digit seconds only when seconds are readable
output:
7.48
